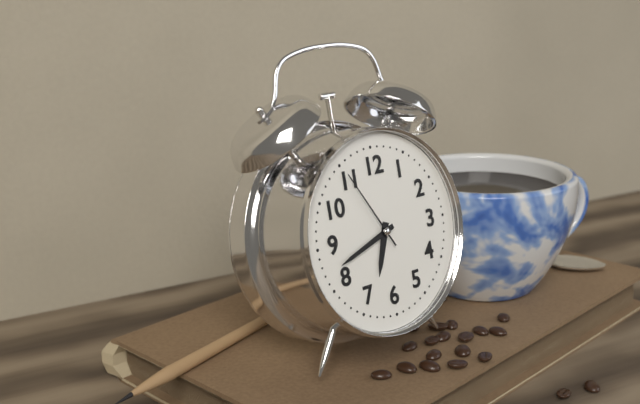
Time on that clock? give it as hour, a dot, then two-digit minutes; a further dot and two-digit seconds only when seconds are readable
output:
6.42.55
